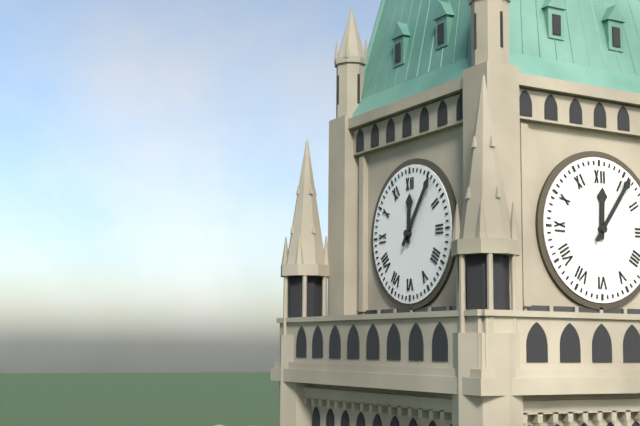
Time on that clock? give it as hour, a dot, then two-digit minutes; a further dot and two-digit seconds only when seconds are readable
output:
12.06
